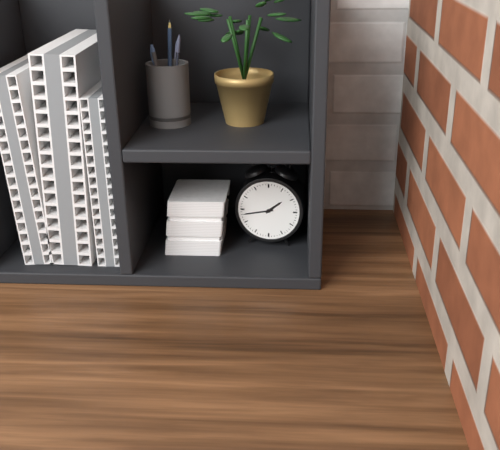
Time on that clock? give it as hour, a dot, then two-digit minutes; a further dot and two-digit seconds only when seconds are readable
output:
1.43
